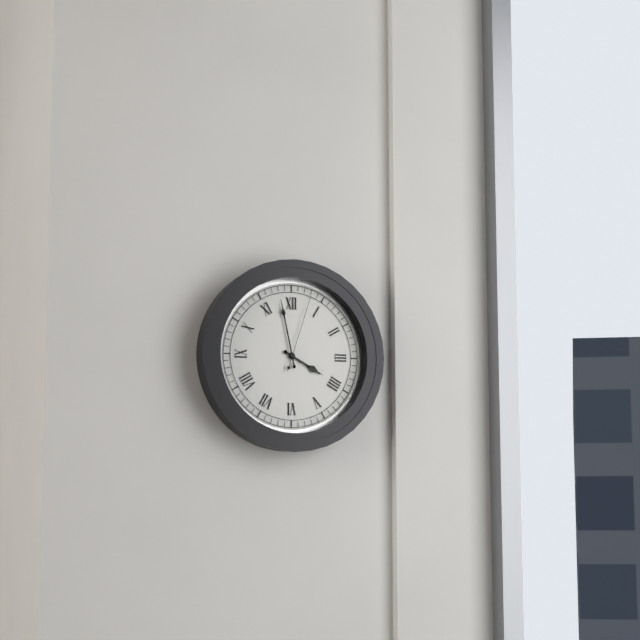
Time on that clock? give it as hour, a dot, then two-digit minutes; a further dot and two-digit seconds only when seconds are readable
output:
3.58.03
